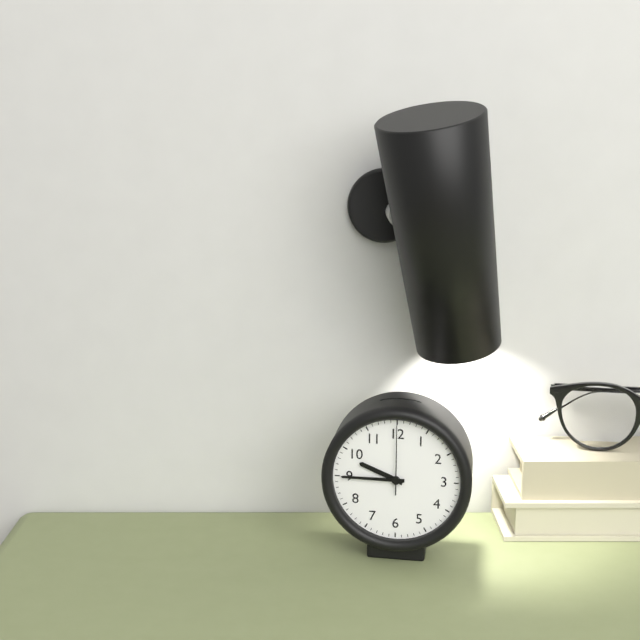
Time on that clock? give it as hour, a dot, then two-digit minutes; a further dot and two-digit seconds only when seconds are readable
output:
9.45.00
